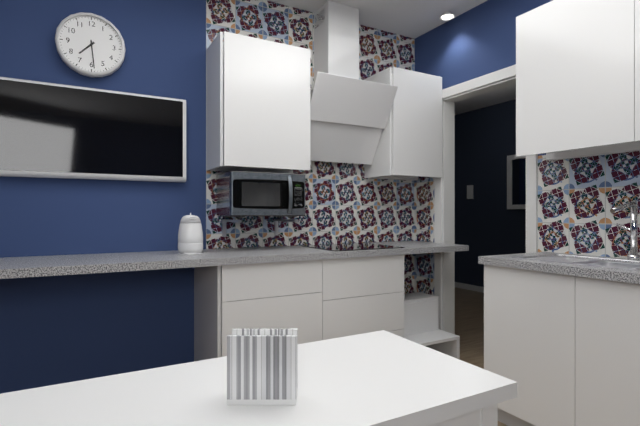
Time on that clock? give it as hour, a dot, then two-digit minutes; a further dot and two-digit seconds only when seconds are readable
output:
7.29
